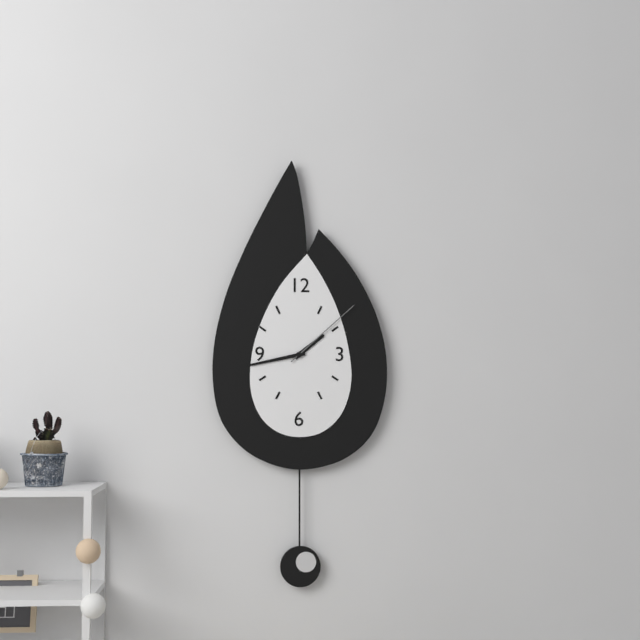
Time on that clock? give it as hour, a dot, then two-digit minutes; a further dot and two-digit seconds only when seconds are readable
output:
1.43.08
